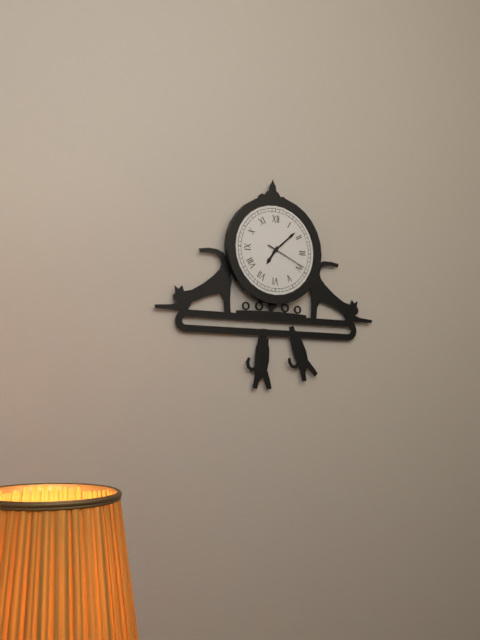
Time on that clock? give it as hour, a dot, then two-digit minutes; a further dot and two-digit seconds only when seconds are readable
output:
7.08
